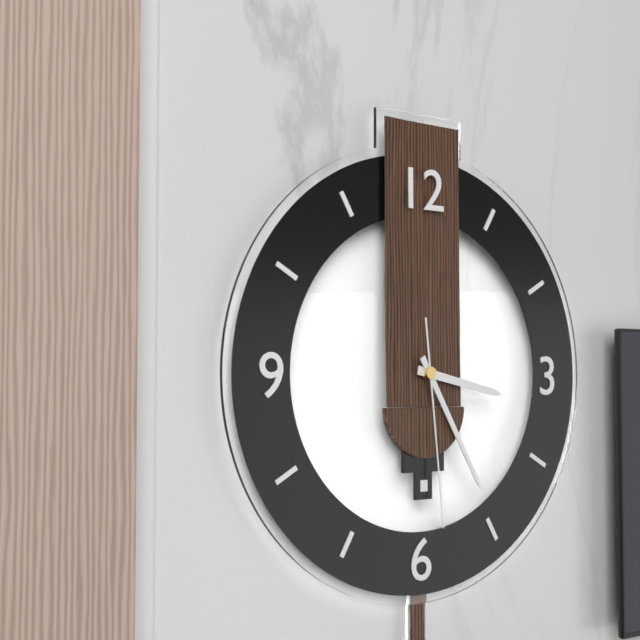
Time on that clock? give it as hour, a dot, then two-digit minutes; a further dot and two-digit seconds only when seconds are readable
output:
3.25.29
